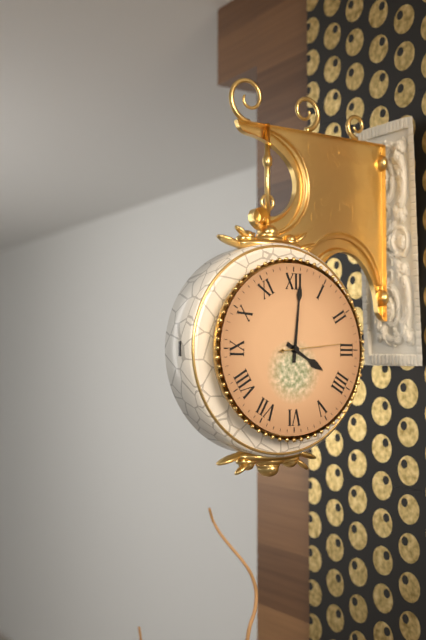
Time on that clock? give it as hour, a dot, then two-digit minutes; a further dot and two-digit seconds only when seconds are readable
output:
4.01.14
